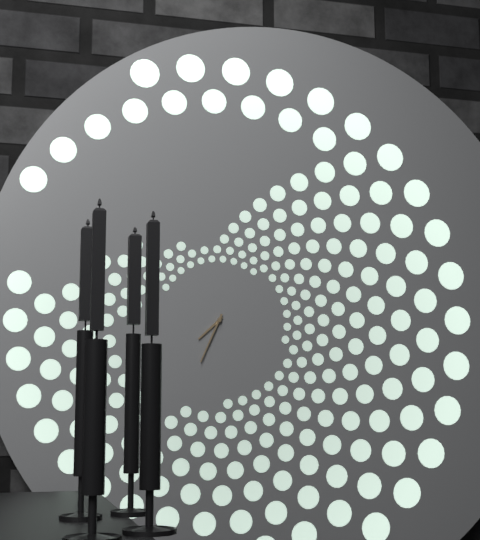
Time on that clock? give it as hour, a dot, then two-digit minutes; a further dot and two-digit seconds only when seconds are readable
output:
7.34
